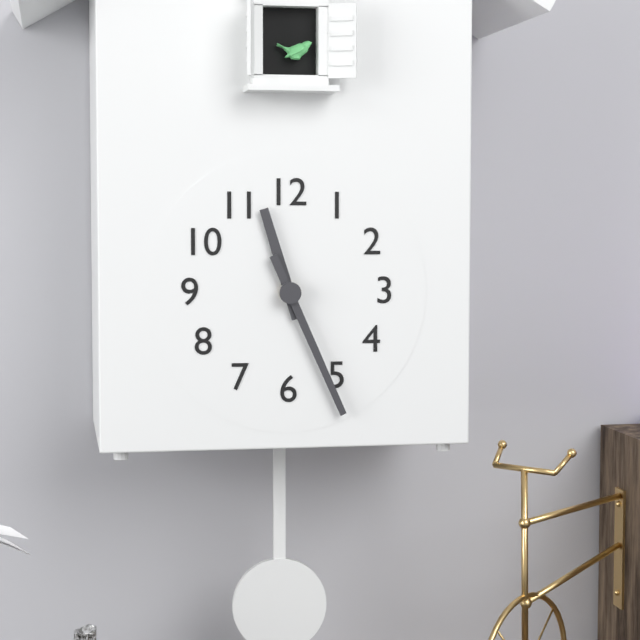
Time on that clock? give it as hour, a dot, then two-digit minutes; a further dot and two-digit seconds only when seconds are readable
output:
11.26
